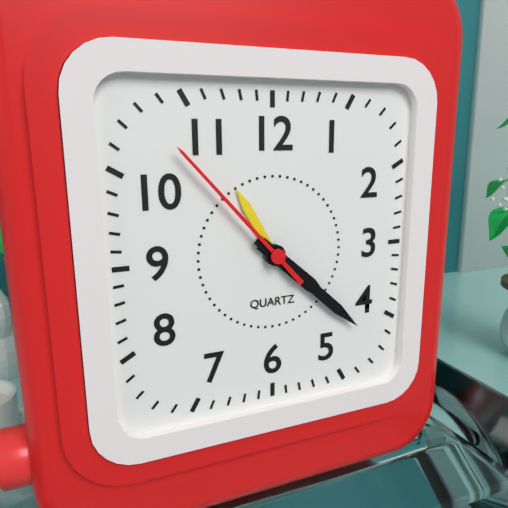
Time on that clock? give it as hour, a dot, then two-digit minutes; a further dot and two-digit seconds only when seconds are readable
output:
4.22.53
